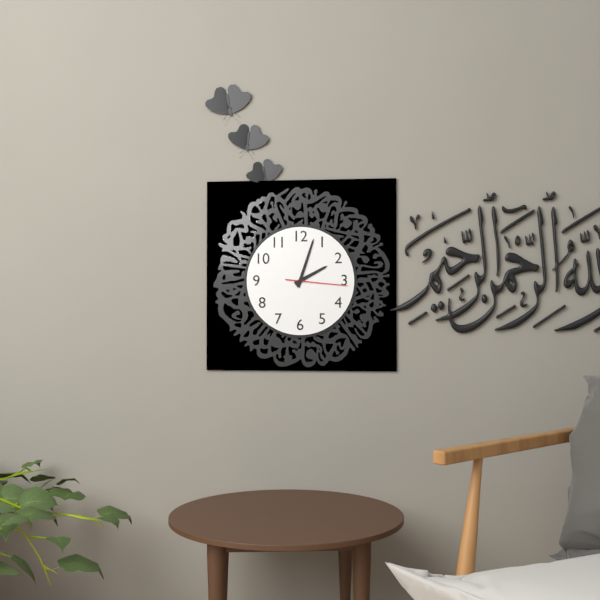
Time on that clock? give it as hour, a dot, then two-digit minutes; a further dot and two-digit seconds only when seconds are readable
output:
2.03.16
